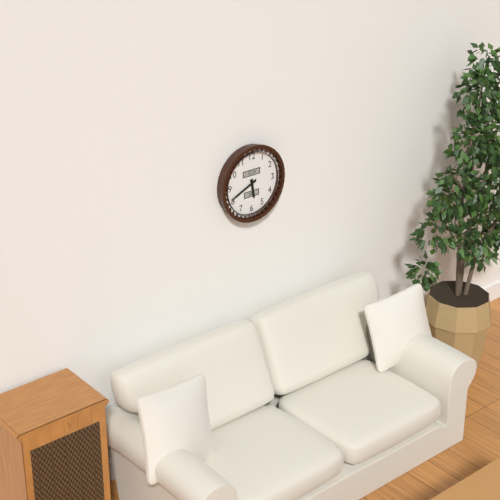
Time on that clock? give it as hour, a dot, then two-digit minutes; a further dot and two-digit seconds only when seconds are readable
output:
5.41
